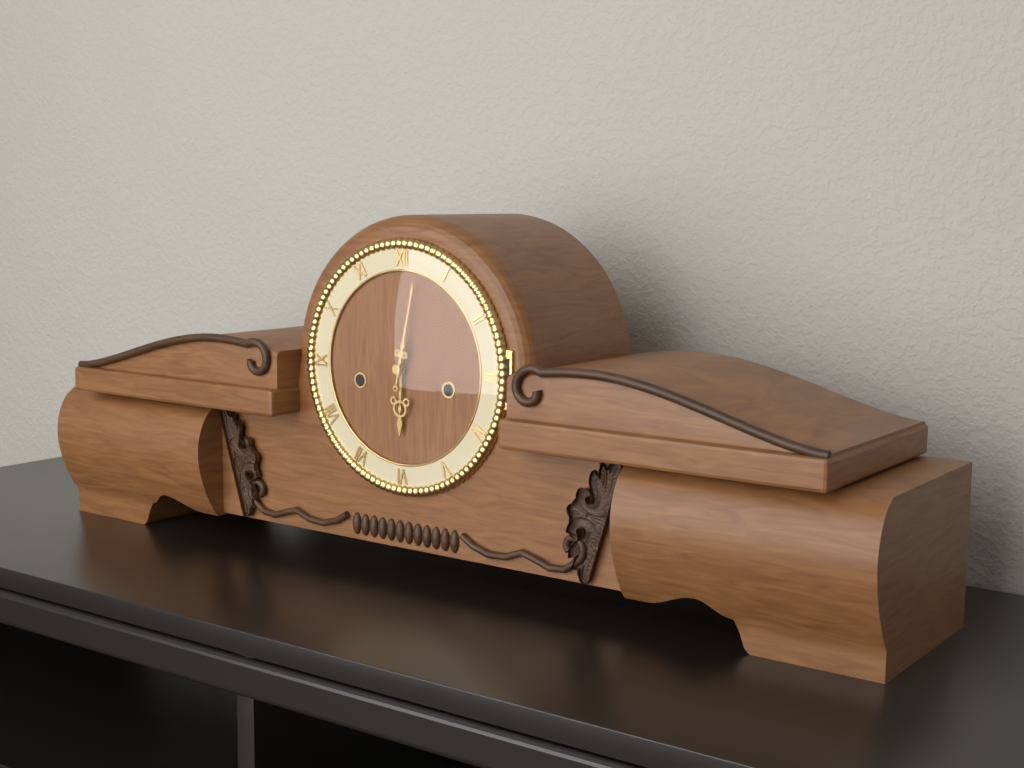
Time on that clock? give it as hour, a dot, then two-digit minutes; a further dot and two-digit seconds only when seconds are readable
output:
6.02
